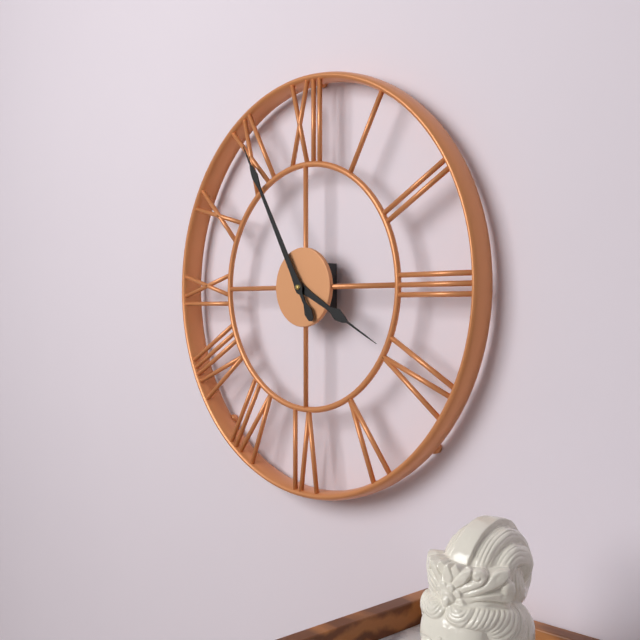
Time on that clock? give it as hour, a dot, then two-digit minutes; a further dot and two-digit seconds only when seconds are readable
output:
3.55
